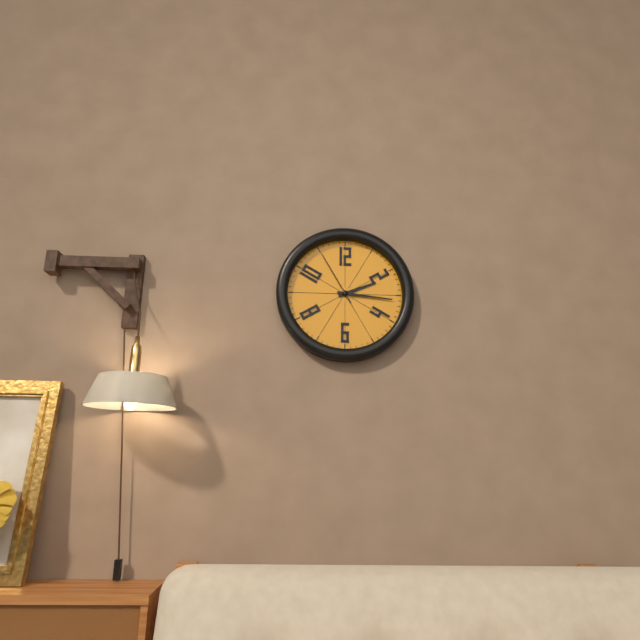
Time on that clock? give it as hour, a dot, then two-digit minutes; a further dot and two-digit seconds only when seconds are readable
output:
2.16.55
